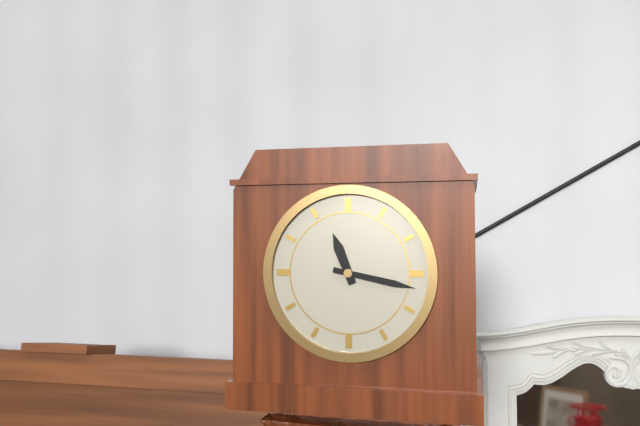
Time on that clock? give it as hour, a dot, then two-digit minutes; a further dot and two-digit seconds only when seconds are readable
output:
11.17
